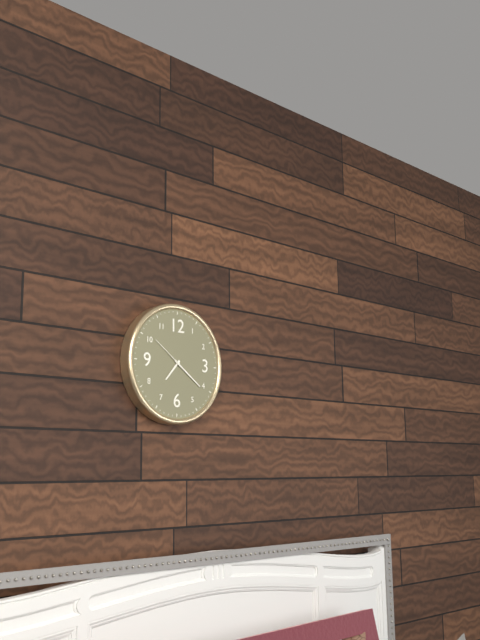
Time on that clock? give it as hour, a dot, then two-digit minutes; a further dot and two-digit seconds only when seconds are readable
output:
7.21
